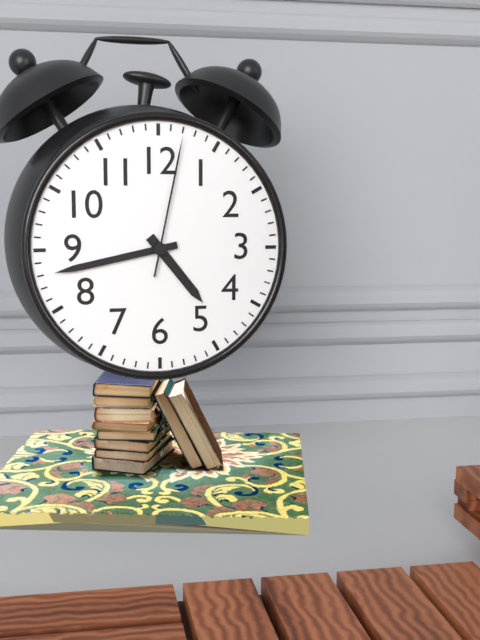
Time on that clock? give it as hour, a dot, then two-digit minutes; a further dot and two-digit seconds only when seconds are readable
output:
4.43.02
